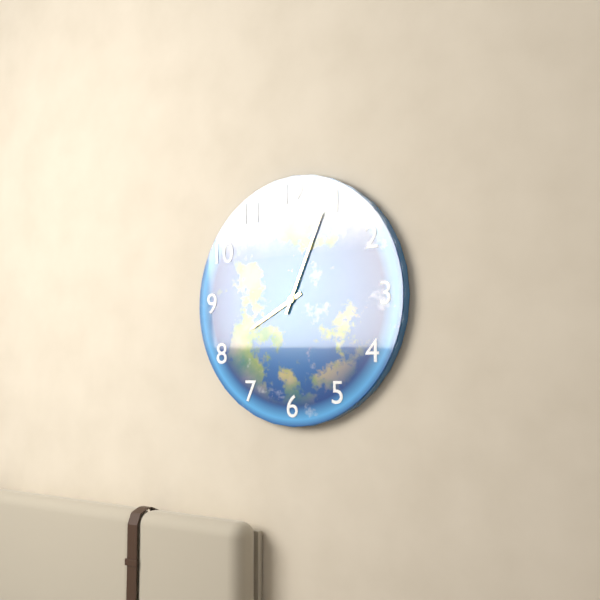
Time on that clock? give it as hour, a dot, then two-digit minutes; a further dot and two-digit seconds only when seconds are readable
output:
8.04
